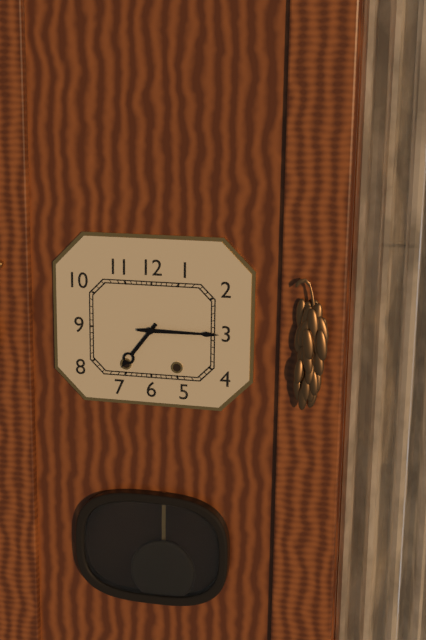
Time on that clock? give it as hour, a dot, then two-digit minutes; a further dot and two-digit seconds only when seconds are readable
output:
7.15
